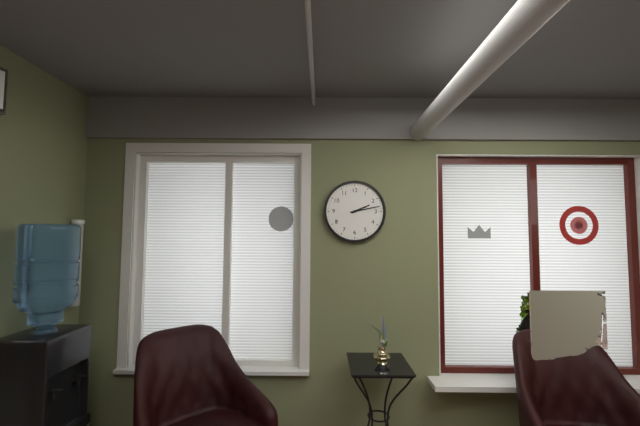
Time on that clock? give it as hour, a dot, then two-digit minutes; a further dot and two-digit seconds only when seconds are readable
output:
2.13
